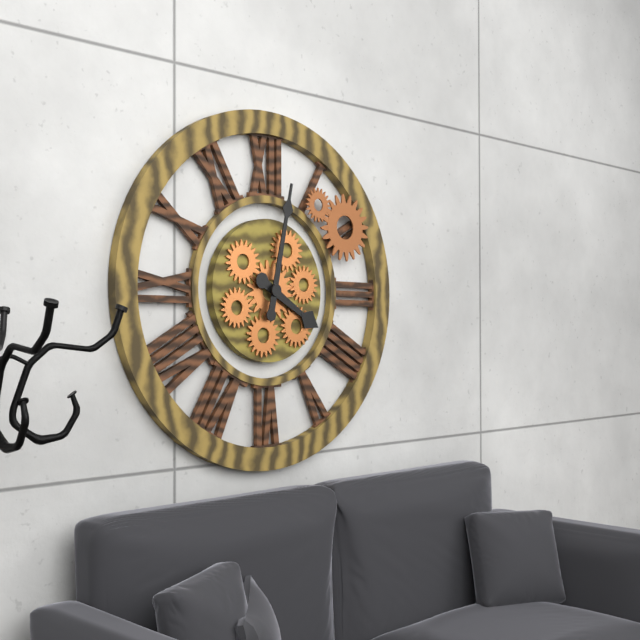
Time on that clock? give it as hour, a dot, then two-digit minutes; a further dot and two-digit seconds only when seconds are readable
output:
4.02
